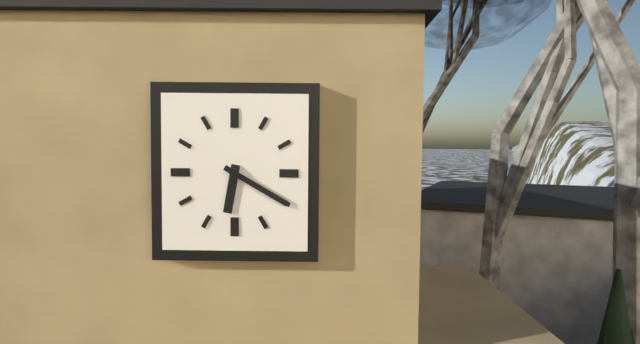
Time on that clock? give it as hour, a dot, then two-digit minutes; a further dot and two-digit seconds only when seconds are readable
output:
6.20
